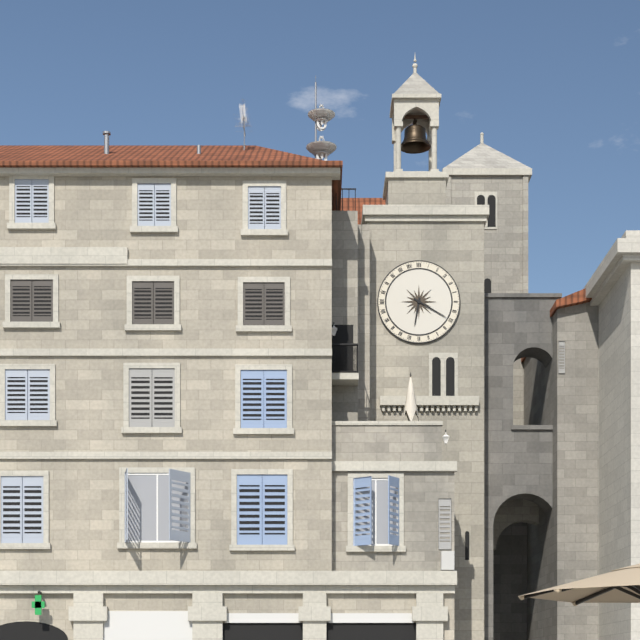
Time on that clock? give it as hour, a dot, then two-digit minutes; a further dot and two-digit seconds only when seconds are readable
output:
6.20
